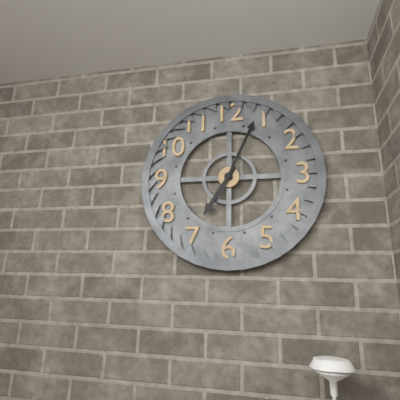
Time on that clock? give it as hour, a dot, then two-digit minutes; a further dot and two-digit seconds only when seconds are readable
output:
7.04
